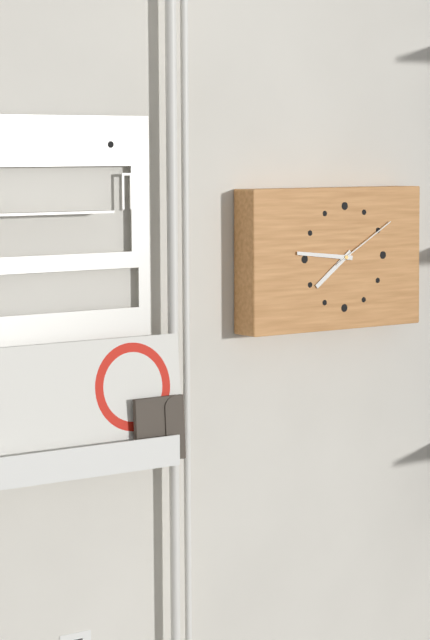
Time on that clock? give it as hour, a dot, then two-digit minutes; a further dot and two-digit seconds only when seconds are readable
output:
7.46.10
